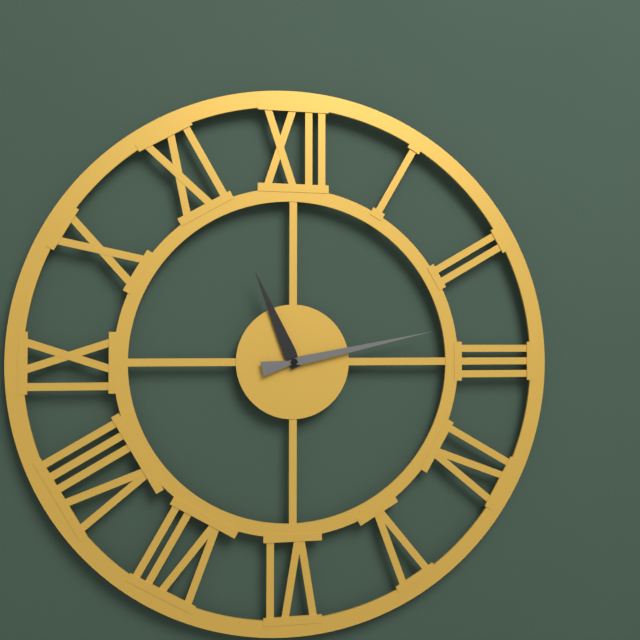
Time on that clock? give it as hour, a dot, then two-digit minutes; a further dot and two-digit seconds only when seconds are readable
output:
11.13
